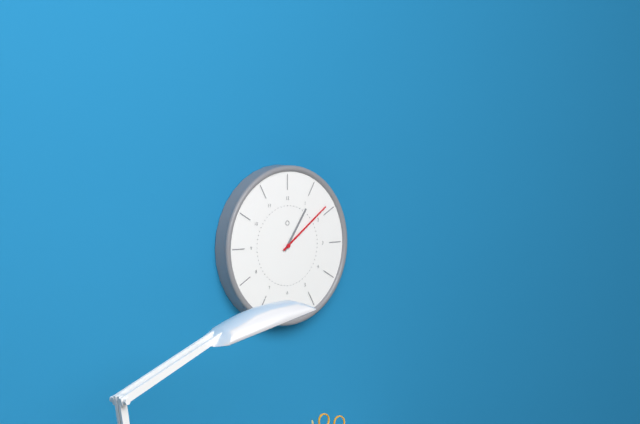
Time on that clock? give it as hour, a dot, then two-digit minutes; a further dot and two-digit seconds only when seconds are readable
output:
1.09
